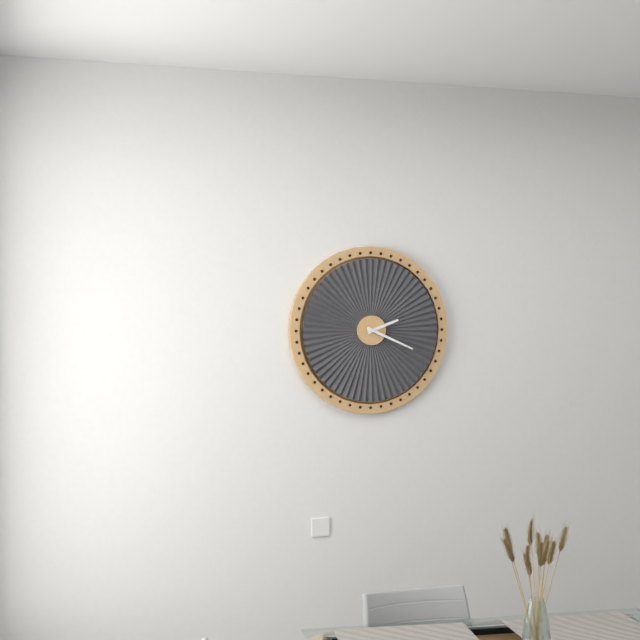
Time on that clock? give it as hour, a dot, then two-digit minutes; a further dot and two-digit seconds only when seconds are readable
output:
2.19
